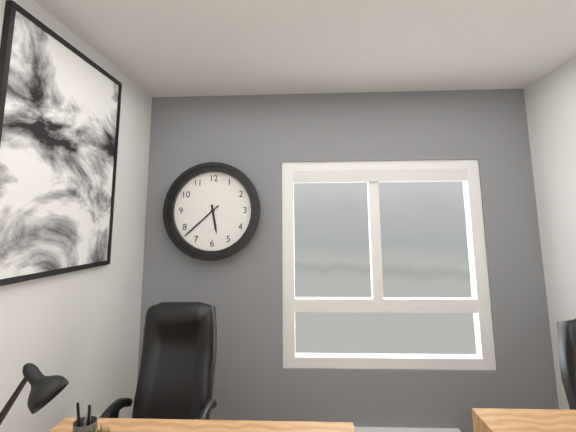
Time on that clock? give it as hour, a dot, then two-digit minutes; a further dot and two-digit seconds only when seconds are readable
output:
5.38
